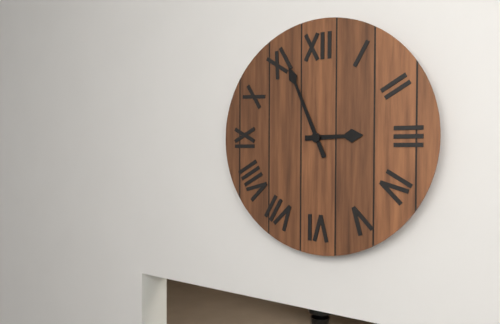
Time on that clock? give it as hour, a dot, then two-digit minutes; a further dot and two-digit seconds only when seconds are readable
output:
2.56
